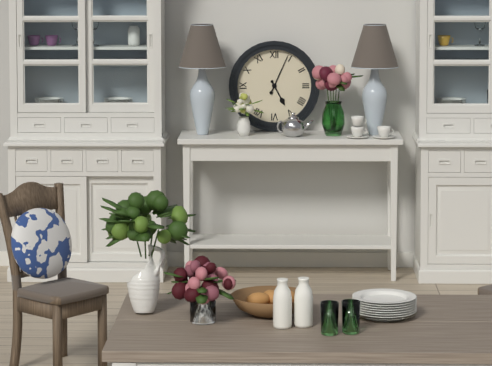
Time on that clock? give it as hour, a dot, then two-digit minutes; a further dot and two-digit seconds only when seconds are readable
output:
5.04
